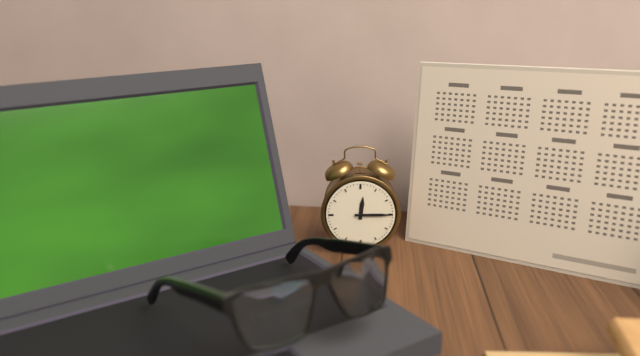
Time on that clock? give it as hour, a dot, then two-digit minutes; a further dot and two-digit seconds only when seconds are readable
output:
12.15
